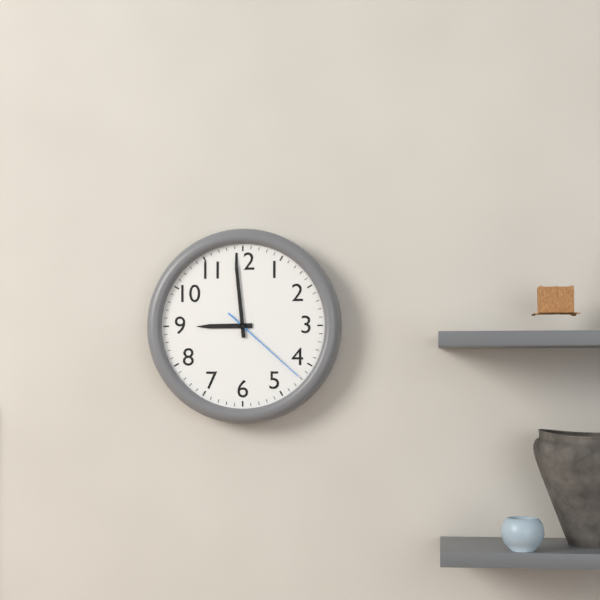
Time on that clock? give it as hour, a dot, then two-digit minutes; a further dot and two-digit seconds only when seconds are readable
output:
8.59.22
